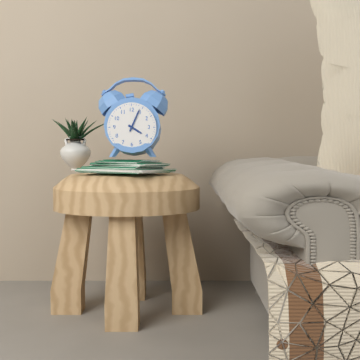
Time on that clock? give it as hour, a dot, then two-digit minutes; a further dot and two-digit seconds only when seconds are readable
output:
4.04
